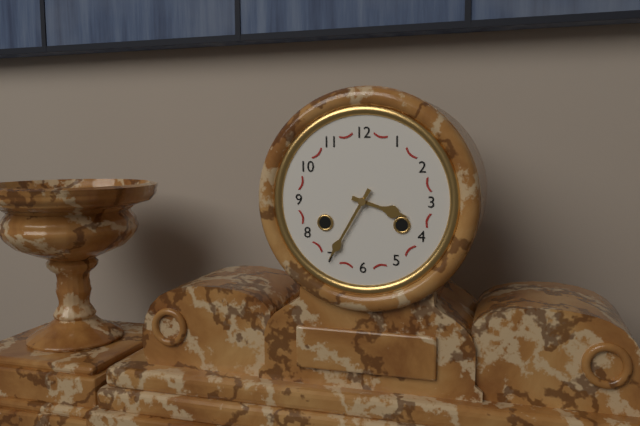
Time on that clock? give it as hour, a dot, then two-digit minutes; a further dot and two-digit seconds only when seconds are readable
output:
3.35
